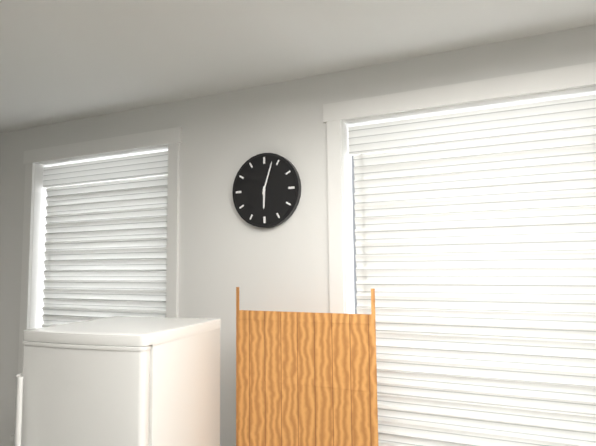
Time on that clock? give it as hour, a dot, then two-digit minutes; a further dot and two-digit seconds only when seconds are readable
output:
6.03
